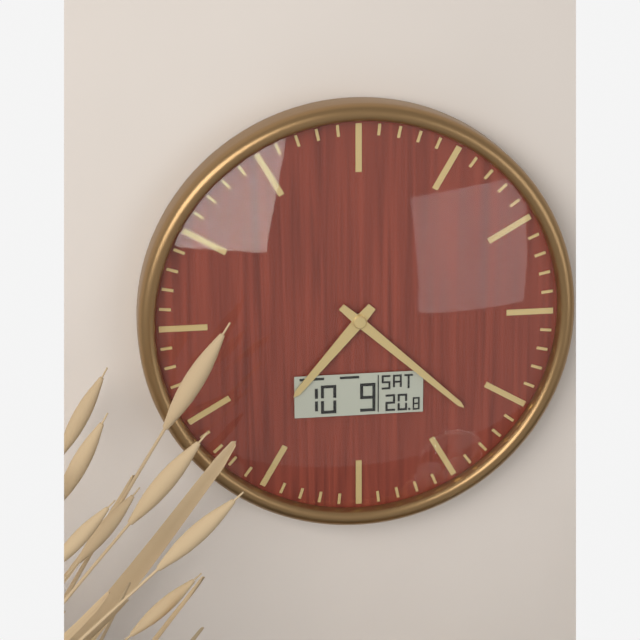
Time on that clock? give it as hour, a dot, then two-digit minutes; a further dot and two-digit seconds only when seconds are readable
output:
7.22
